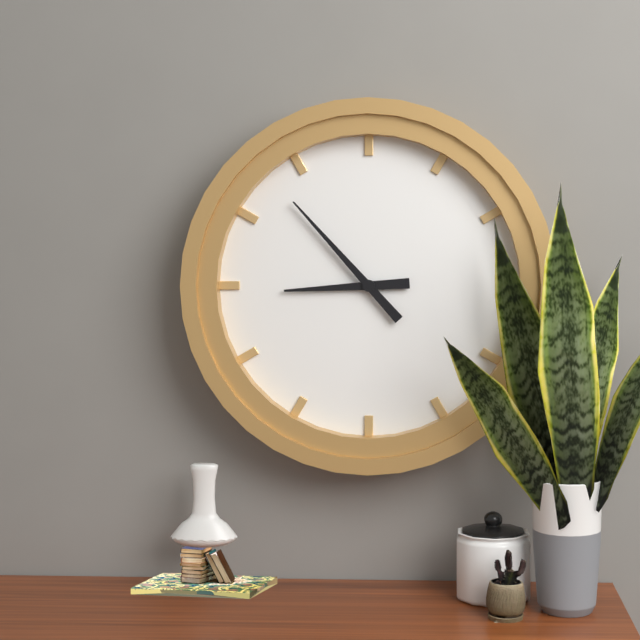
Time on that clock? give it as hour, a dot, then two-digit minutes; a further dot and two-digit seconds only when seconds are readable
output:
8.53
